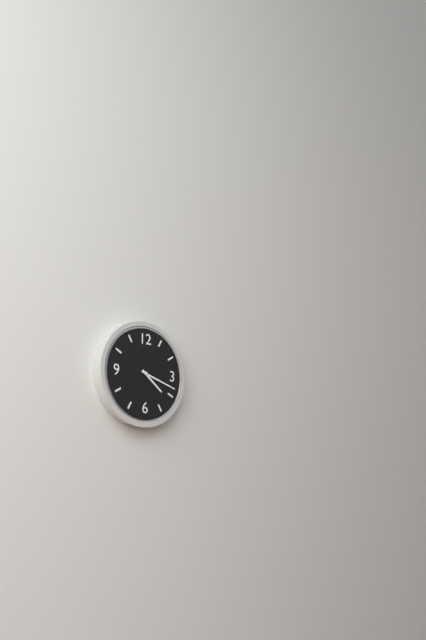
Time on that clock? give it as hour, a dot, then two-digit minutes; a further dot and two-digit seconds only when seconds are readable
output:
4.18
